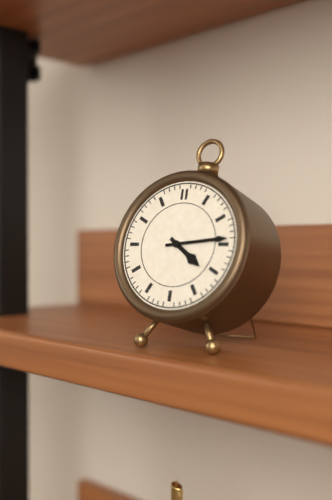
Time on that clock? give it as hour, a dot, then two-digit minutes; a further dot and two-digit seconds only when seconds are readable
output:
4.14
